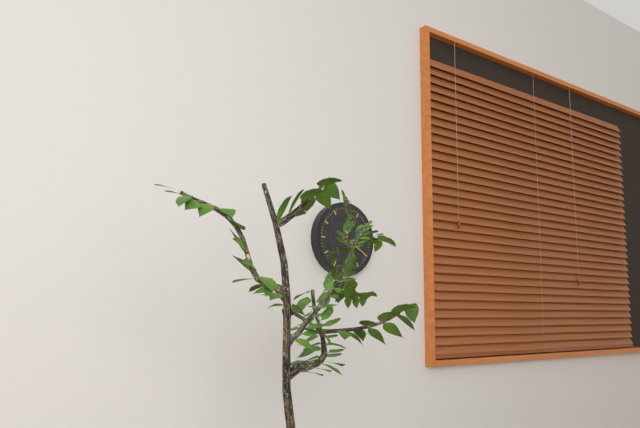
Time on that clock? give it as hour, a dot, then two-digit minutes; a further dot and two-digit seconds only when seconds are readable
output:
12.20
